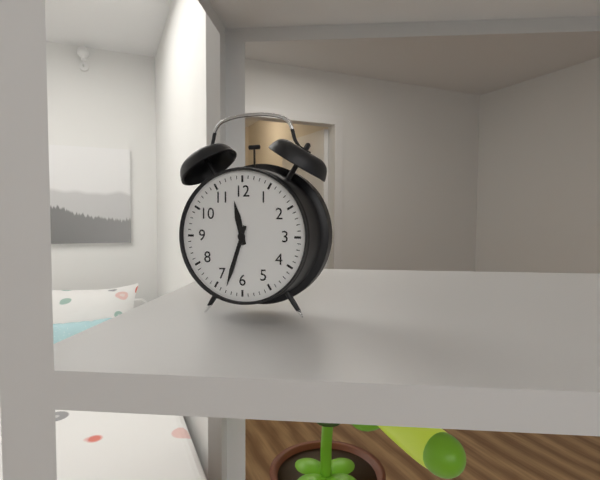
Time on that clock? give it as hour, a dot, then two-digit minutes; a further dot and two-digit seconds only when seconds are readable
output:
11.33
